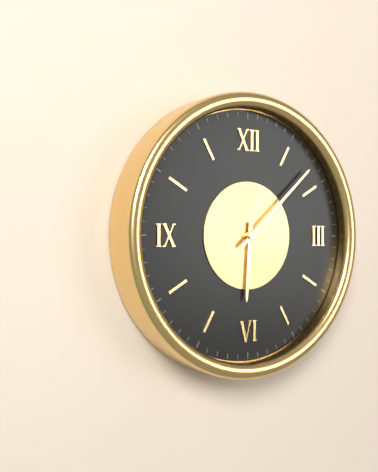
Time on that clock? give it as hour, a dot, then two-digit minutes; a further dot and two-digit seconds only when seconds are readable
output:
6.08
